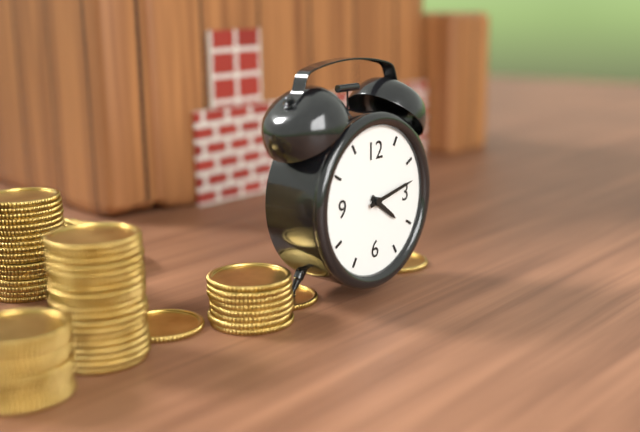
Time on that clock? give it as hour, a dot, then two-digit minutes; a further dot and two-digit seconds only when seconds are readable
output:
4.13
